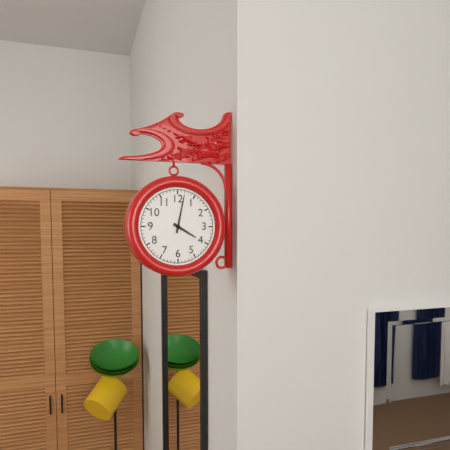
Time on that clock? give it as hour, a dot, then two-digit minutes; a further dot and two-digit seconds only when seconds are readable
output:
4.02
